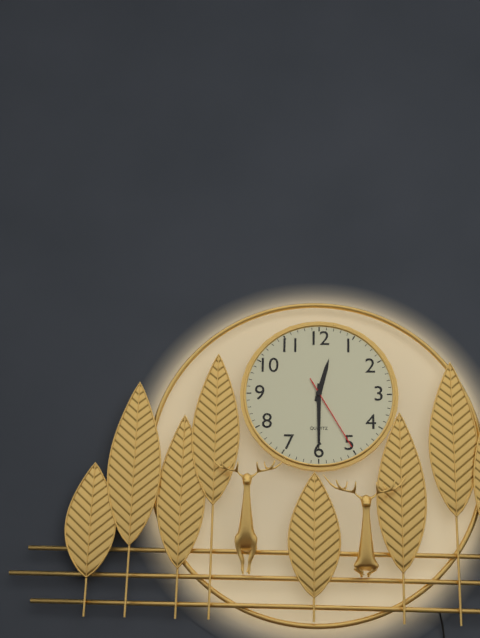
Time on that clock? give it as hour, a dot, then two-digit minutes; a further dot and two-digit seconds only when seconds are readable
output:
12.30.25
